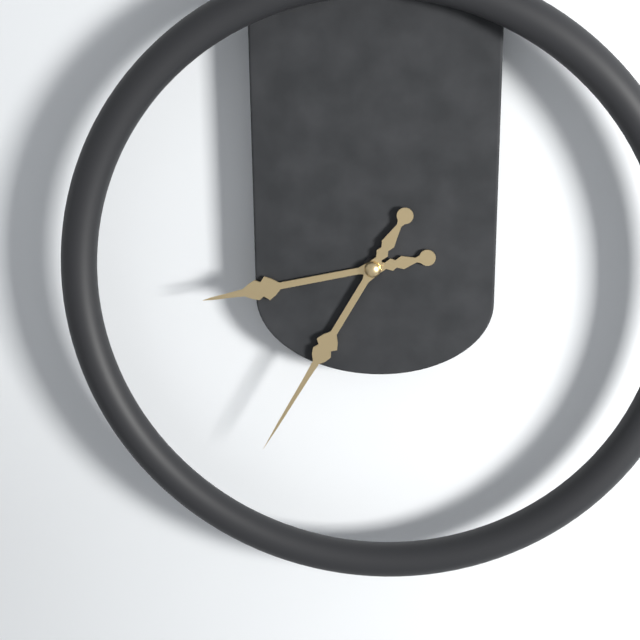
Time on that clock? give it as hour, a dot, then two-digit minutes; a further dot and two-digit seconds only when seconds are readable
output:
8.35
